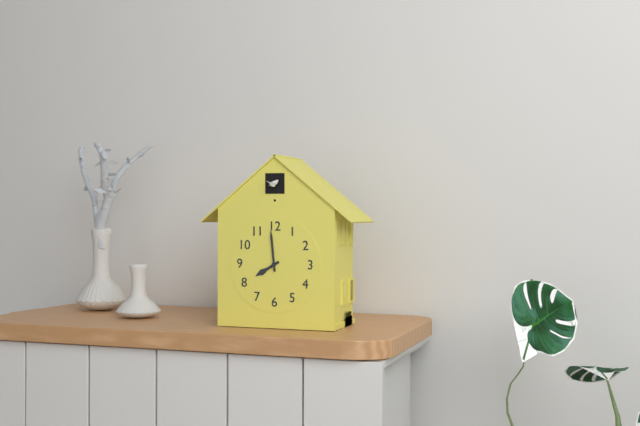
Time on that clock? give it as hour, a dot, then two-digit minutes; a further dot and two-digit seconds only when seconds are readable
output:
7.59
